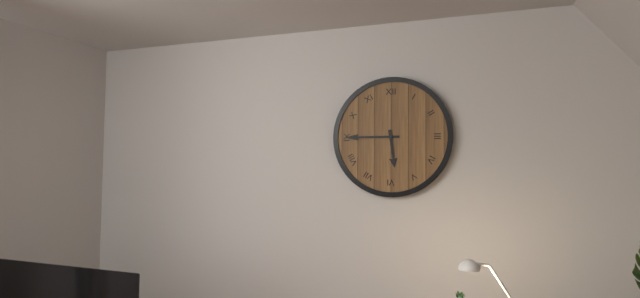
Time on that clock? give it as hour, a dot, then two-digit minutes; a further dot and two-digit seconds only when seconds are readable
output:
5.45
